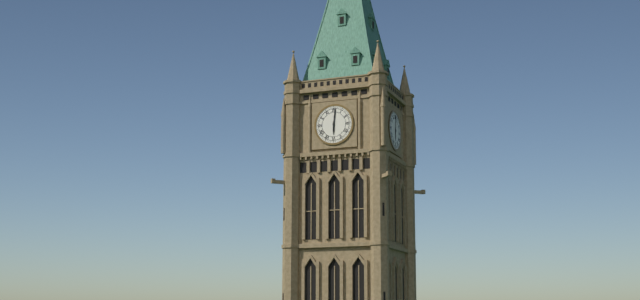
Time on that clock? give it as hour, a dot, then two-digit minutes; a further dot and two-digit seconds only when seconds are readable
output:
6.01
